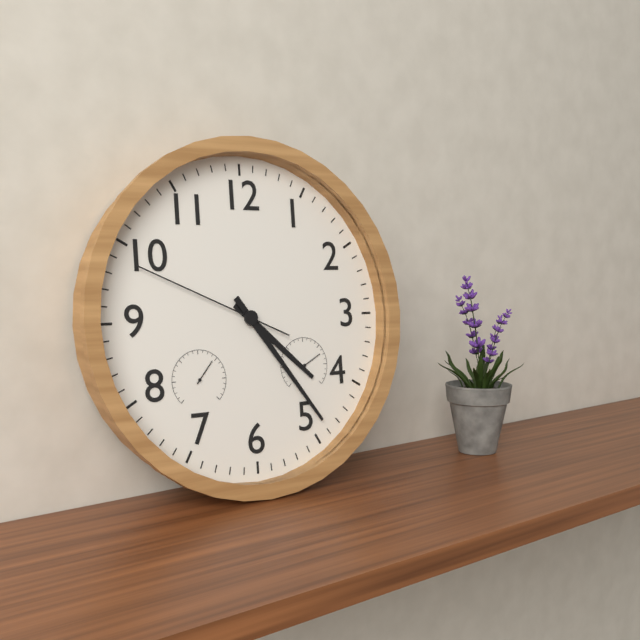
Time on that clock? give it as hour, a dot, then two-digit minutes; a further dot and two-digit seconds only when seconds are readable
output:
4.24.49
